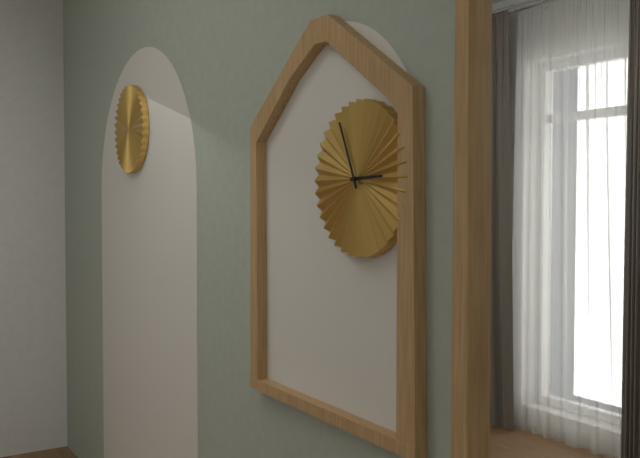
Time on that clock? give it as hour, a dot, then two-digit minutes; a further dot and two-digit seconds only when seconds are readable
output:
2.56
